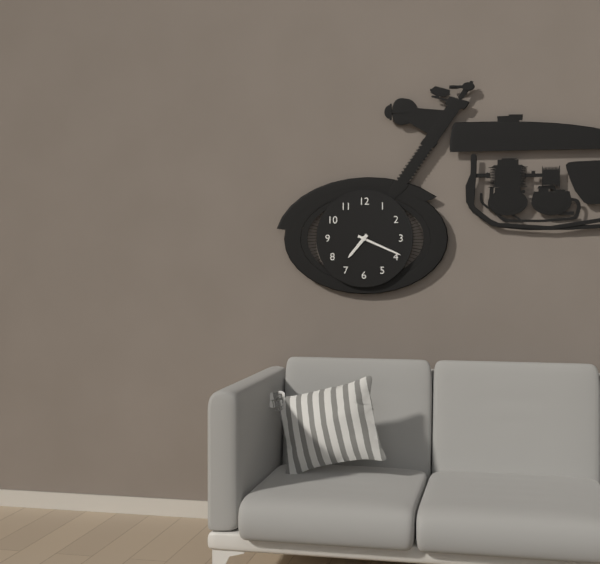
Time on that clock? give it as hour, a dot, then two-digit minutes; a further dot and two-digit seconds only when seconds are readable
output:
7.19
